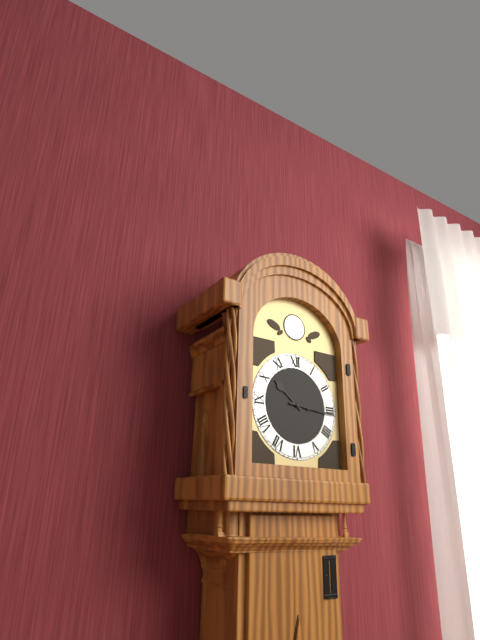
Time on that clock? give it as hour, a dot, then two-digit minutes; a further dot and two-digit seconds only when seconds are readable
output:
10.16
